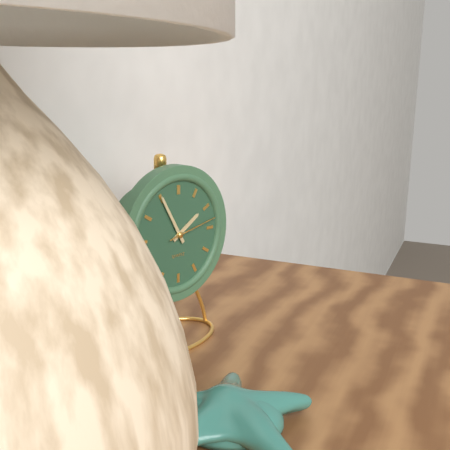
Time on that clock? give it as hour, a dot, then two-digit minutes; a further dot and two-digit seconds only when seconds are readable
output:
1.55.13
